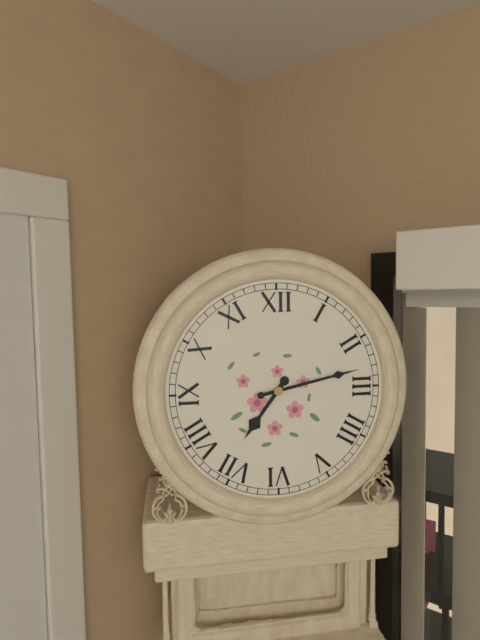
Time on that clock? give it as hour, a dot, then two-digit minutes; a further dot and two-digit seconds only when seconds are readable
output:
7.13
